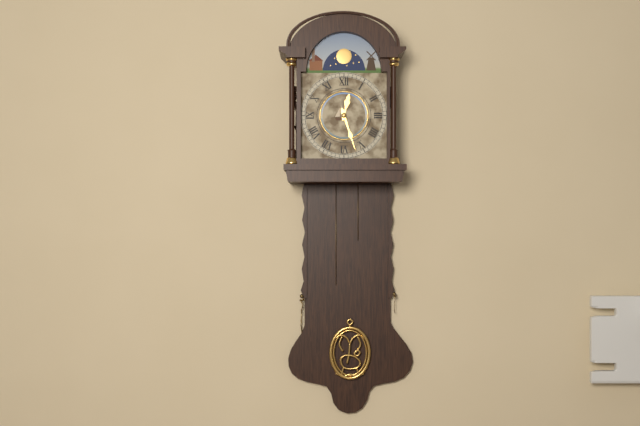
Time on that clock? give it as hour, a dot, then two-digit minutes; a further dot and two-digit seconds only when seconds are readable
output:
12.27
